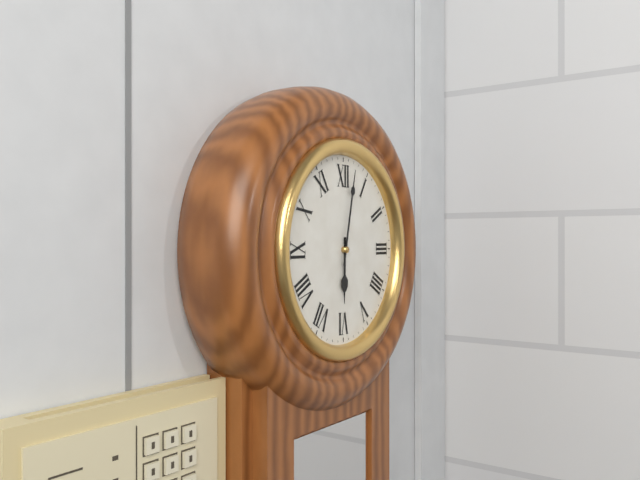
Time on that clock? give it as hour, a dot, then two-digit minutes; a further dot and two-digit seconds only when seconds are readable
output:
6.02
